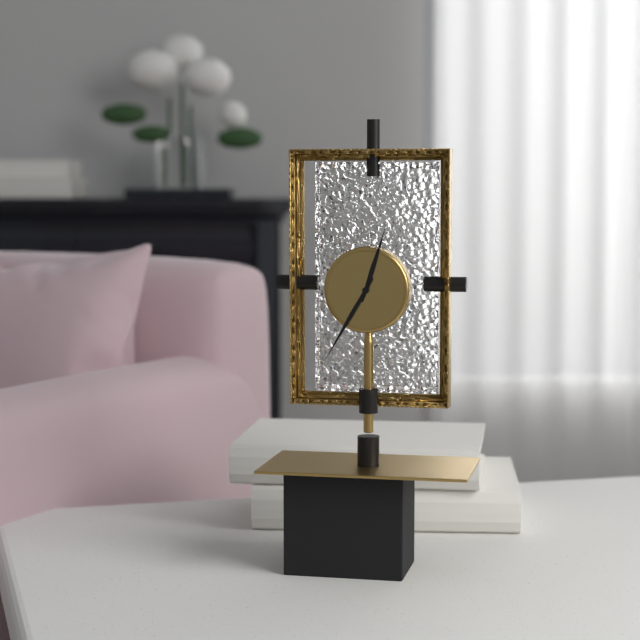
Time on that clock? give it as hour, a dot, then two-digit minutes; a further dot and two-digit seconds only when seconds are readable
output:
12.35
